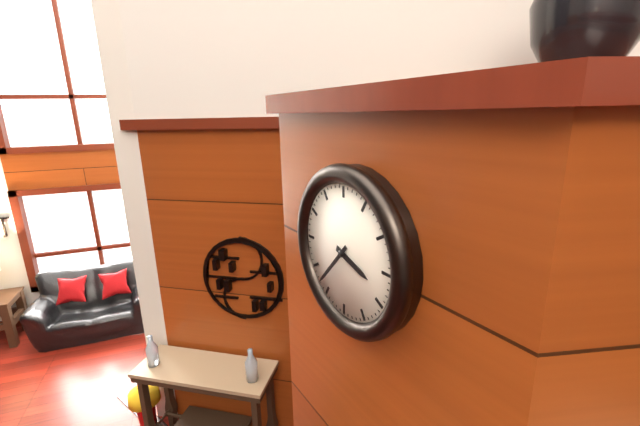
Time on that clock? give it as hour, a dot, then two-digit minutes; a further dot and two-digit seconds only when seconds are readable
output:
3.37
